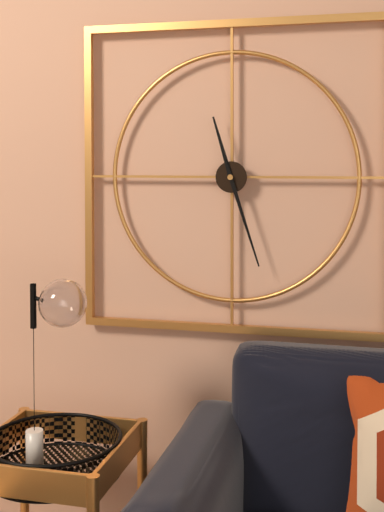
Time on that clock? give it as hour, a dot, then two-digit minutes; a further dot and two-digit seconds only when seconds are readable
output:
11.27
